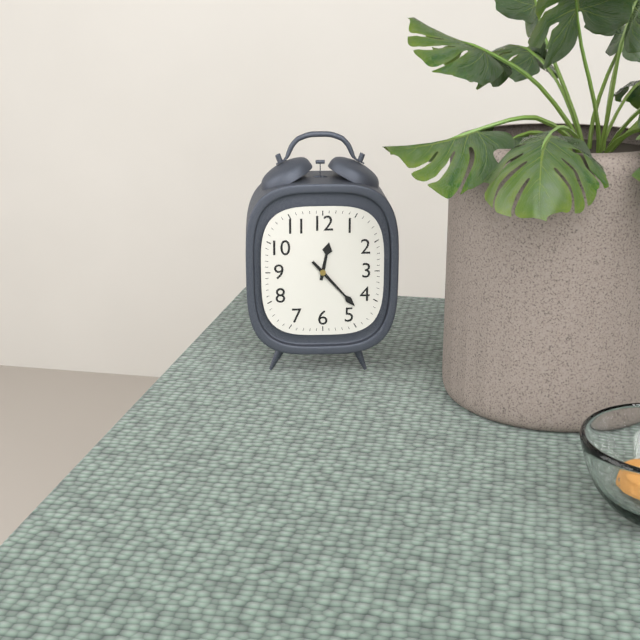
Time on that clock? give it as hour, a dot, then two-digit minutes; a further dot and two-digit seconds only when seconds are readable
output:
12.23
